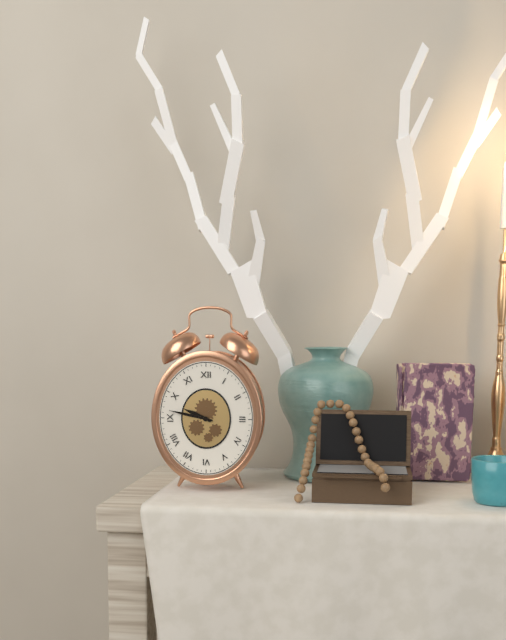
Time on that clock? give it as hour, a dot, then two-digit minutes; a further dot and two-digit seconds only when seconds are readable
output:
9.47
